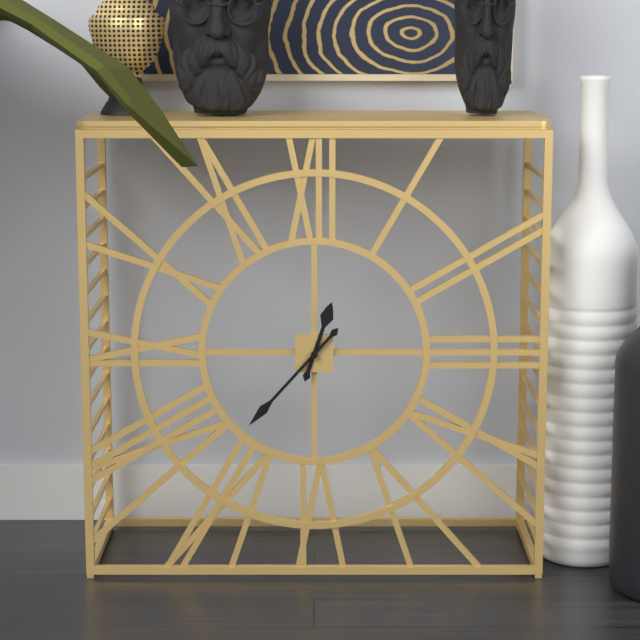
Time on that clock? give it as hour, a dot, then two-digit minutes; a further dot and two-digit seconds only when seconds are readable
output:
12.37
